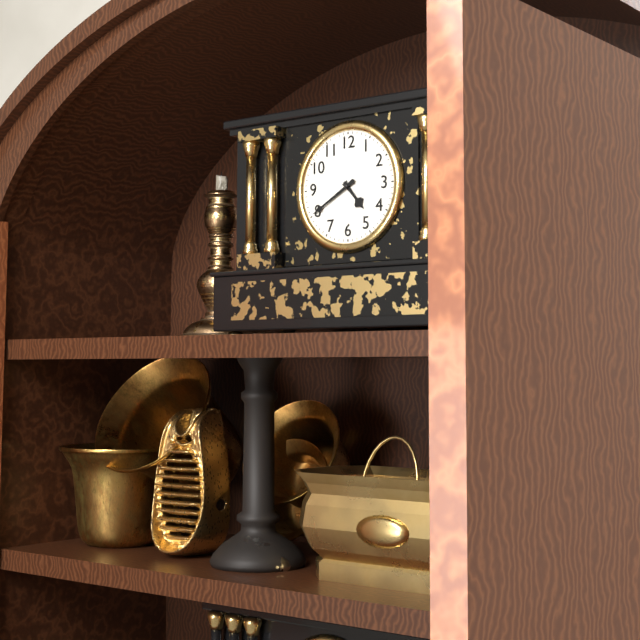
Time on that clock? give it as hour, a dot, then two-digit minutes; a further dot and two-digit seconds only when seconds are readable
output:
4.40
